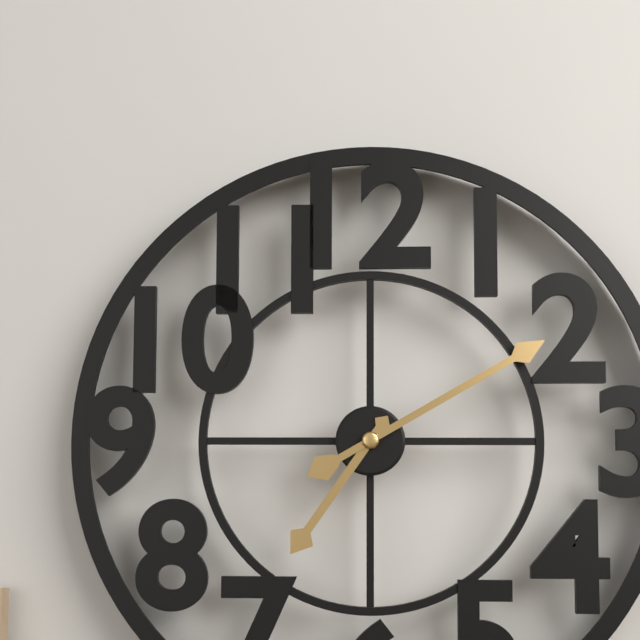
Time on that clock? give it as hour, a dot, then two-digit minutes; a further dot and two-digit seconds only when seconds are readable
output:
7.10
